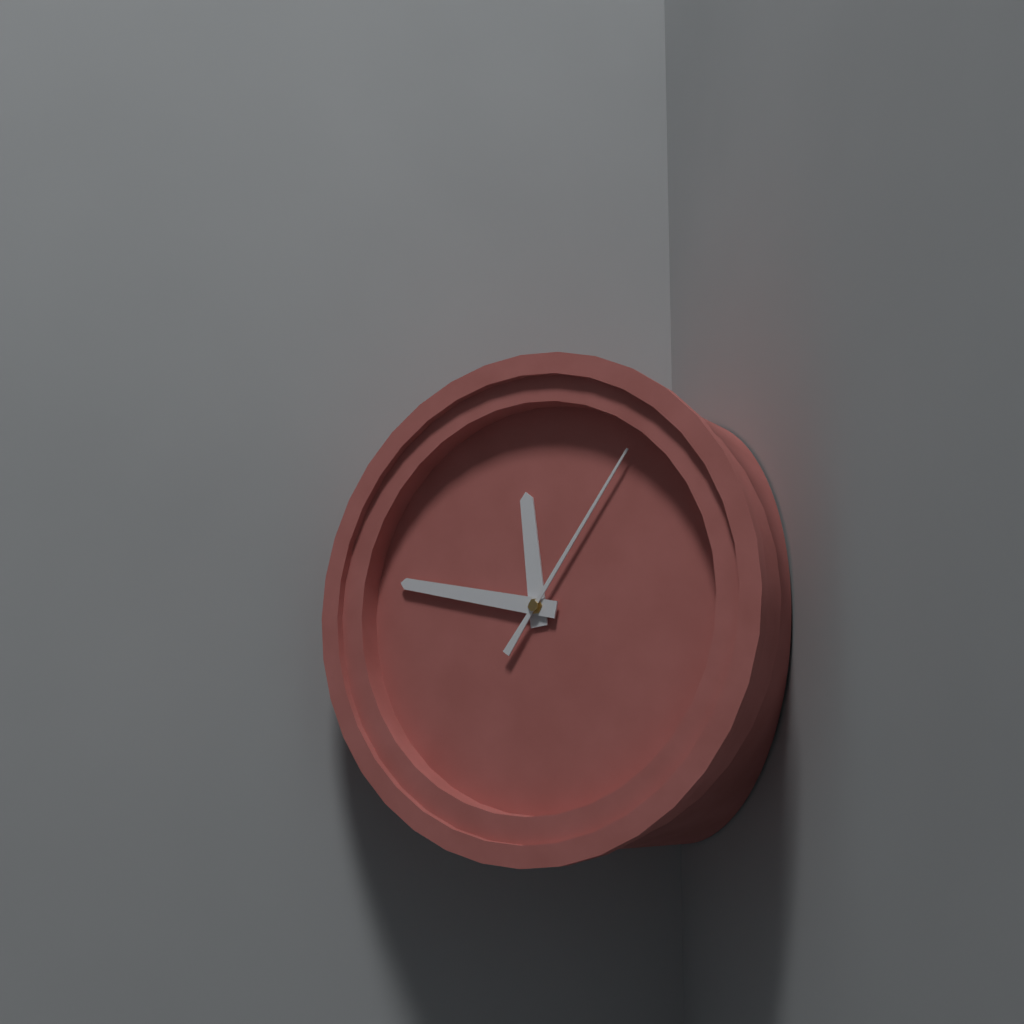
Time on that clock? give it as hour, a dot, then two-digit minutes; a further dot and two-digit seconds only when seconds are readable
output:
11.47.06
